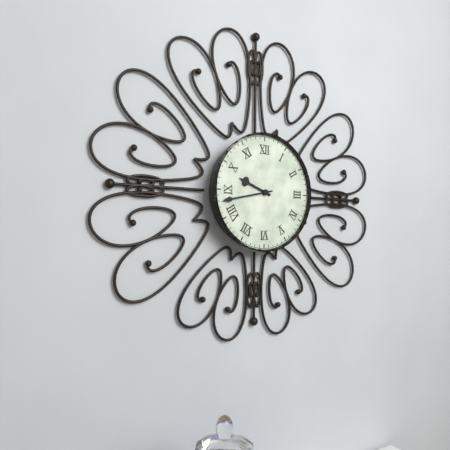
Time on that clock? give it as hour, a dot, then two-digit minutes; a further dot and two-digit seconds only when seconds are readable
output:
9.43
